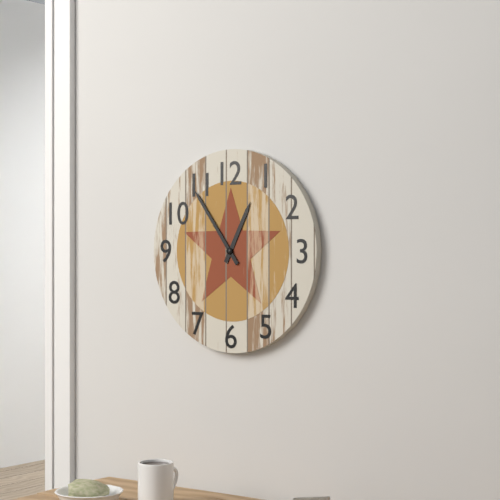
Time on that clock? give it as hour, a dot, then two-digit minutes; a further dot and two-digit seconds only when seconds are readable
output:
12.54
